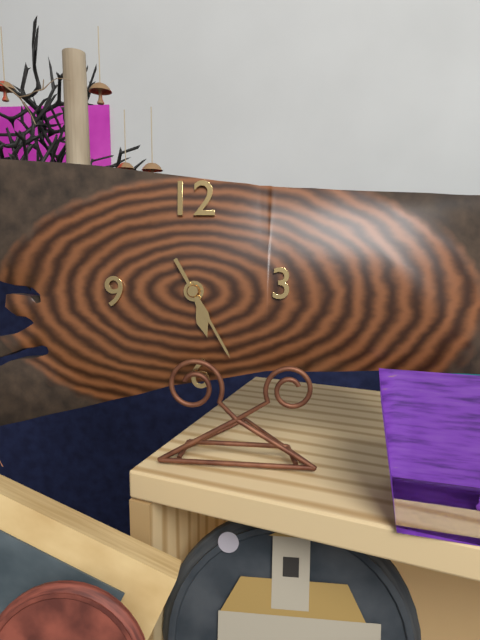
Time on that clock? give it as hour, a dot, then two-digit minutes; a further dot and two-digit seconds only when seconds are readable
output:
5.25
